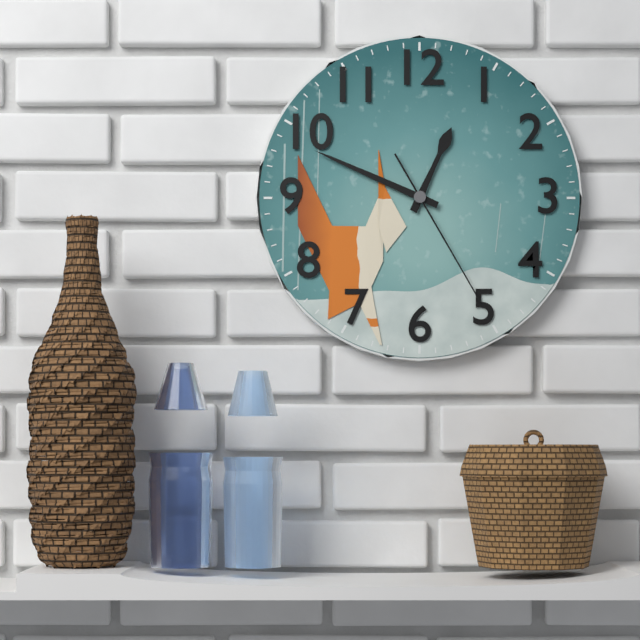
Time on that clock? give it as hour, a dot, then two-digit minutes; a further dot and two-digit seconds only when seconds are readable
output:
12.49.25
